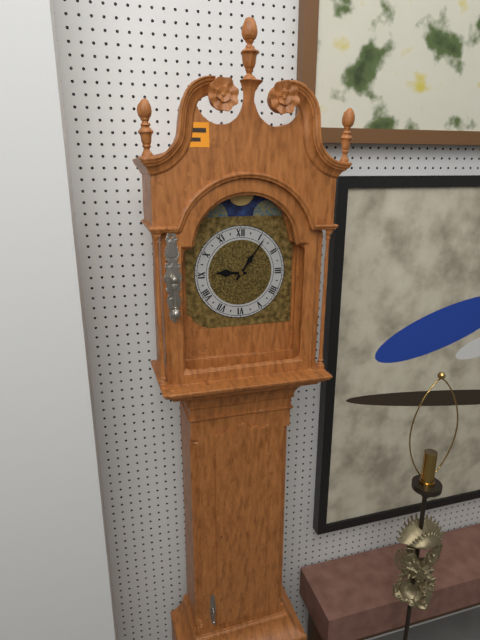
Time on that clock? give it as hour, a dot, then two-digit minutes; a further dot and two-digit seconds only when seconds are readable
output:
9.06
